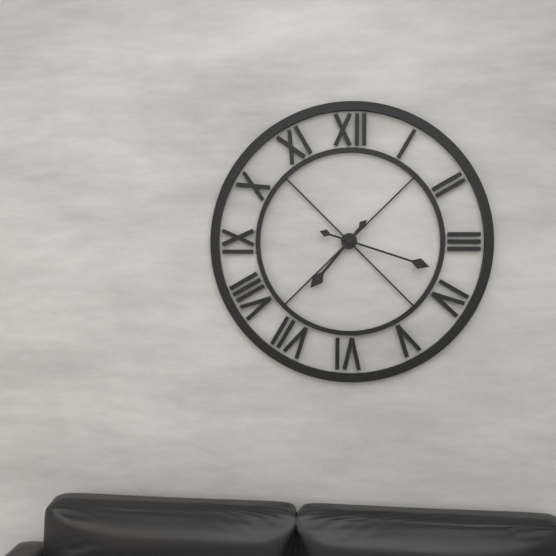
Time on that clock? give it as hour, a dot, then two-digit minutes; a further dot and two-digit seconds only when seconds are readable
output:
7.18
